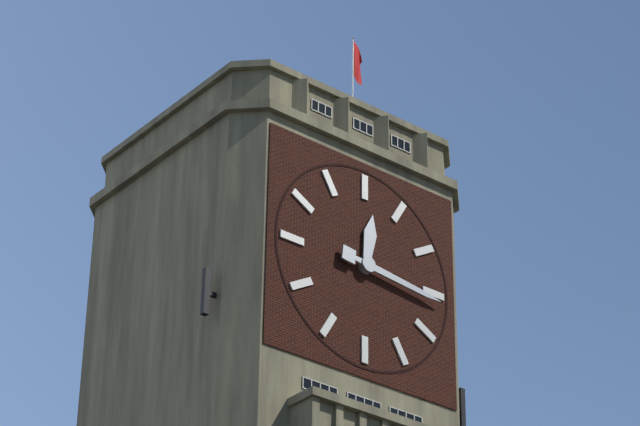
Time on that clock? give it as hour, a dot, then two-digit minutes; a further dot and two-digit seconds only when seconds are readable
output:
12.16
